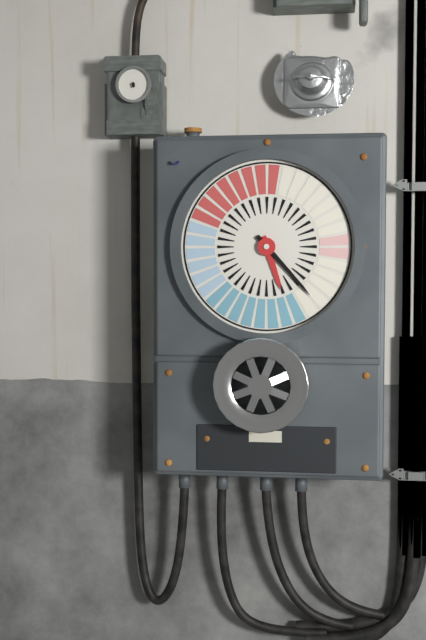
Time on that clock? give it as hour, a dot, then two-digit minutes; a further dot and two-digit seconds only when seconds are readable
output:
5.23
